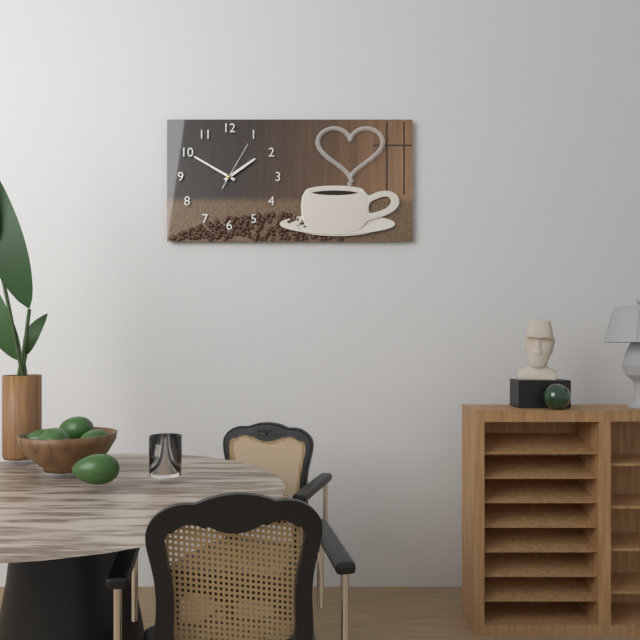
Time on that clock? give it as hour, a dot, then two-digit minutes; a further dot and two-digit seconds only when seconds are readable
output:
1.50
